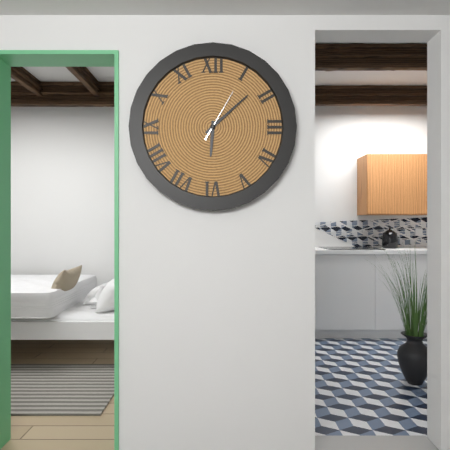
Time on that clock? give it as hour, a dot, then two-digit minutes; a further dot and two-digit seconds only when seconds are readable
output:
6.08.05
